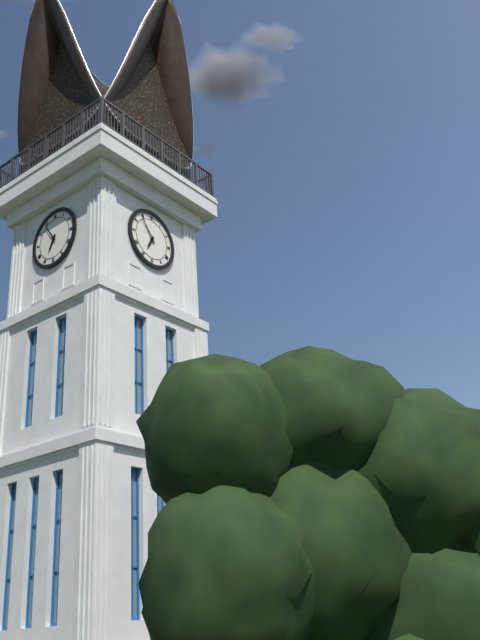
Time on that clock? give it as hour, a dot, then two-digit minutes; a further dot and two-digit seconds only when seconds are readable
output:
6.54
